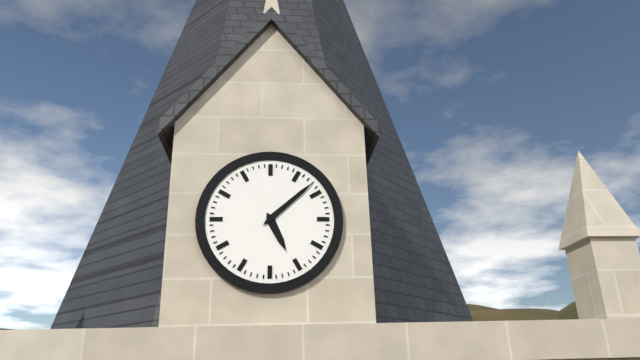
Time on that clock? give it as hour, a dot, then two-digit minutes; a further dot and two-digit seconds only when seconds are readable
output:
5.08
